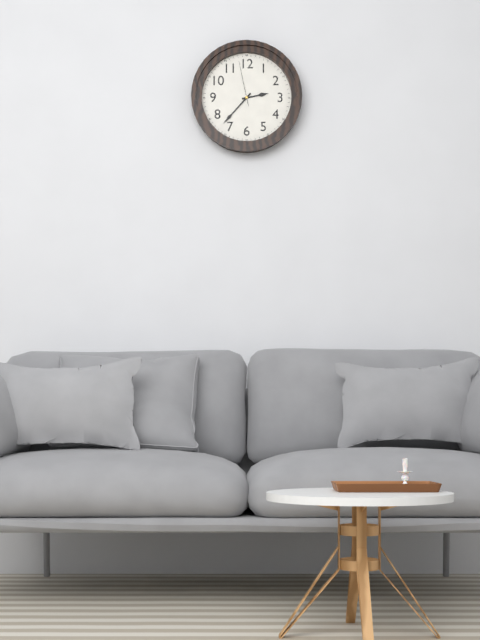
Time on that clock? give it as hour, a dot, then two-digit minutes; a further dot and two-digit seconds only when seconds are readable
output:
2.37
